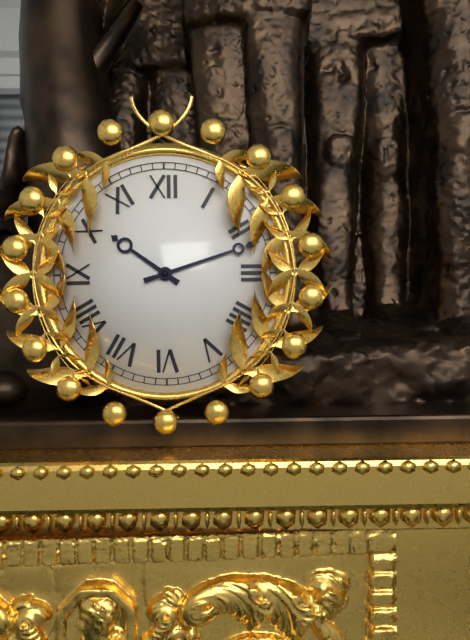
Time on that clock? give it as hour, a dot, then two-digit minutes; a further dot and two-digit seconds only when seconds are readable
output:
10.12
